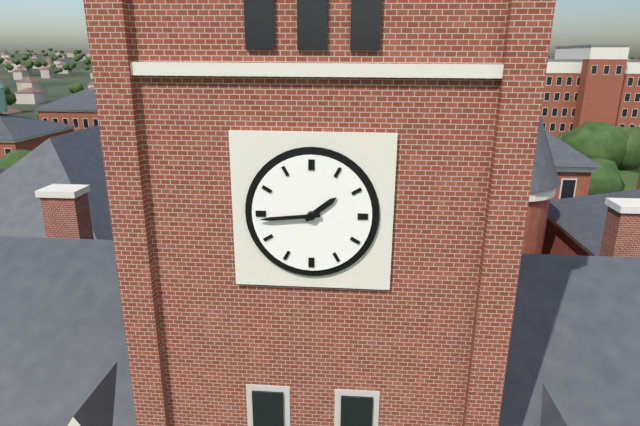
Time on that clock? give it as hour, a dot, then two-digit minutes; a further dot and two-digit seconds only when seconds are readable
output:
1.44
